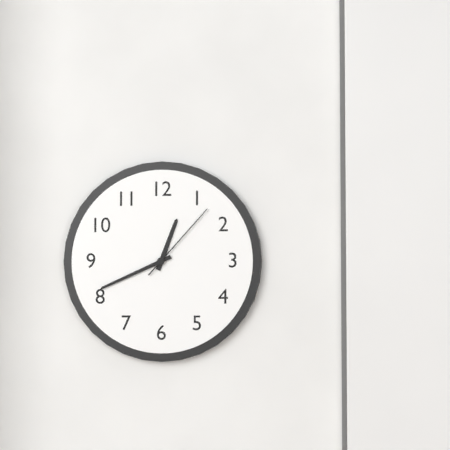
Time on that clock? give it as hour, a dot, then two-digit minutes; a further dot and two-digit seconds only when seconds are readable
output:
12.41.07
